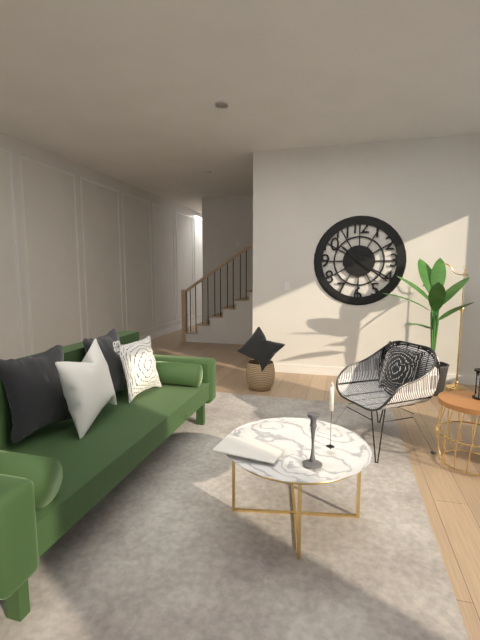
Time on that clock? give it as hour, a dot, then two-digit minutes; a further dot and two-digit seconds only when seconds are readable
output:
10.21
